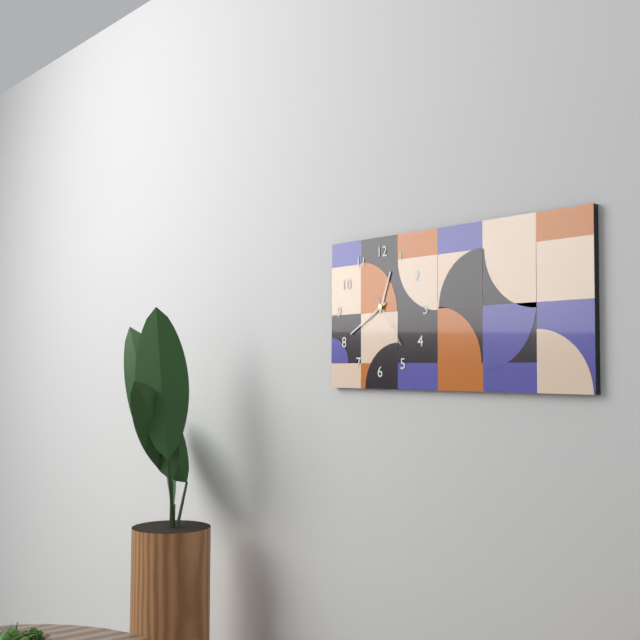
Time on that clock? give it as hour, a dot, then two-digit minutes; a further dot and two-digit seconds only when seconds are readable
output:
12.40.24
